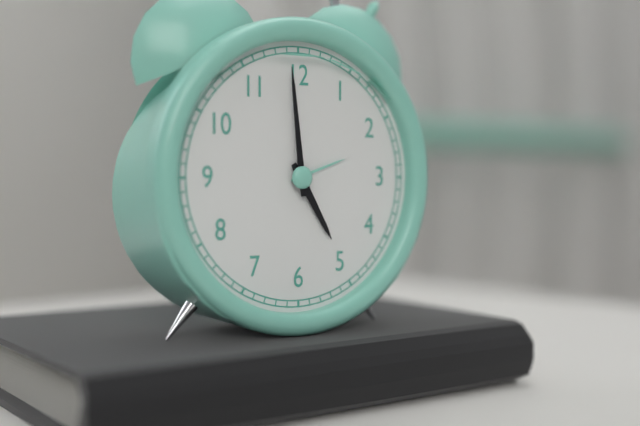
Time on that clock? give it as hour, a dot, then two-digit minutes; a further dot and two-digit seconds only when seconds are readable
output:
4.59
